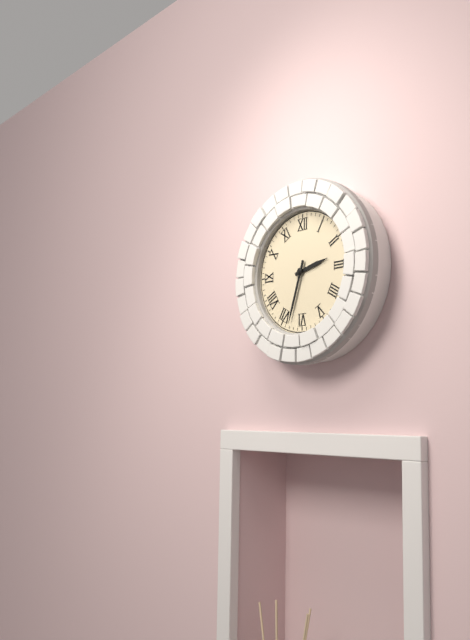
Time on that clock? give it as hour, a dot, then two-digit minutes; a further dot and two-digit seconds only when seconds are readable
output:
2.33
